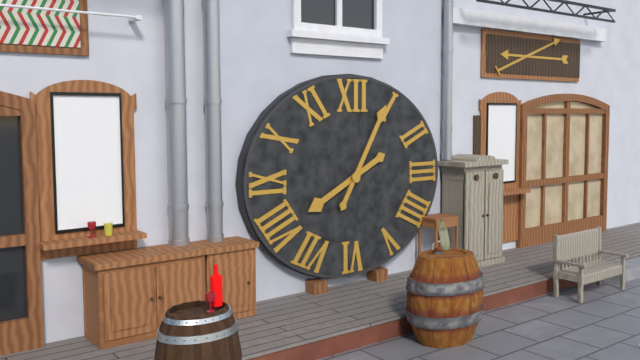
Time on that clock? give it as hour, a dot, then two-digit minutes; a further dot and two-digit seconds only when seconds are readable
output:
8.05
